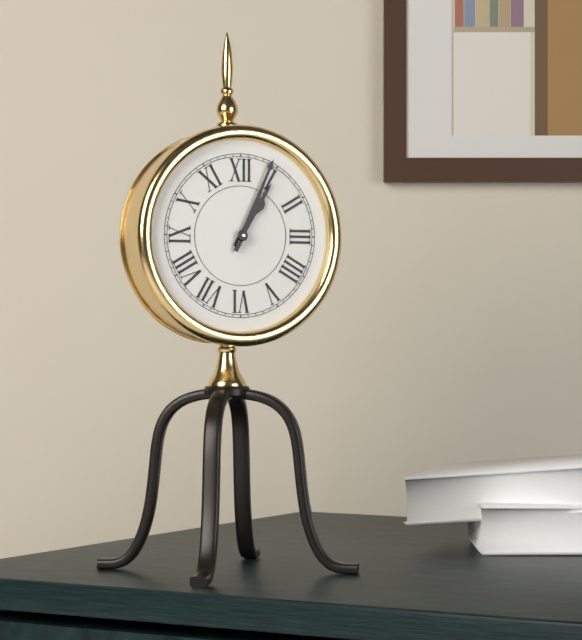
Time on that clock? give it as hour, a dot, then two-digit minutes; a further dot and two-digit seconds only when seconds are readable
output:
1.04
